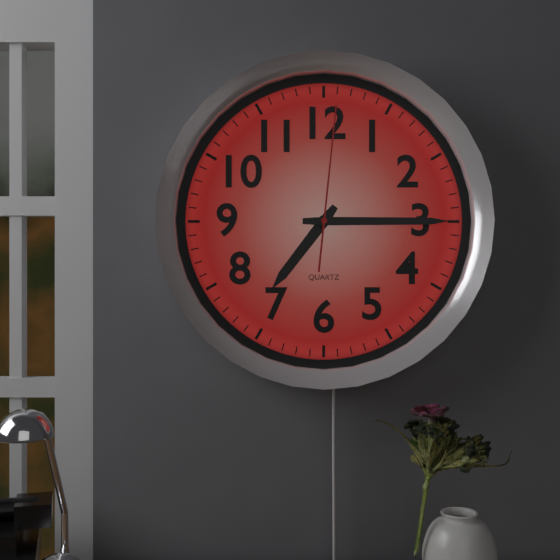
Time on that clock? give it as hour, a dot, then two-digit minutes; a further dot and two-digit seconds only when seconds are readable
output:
7.15.01
